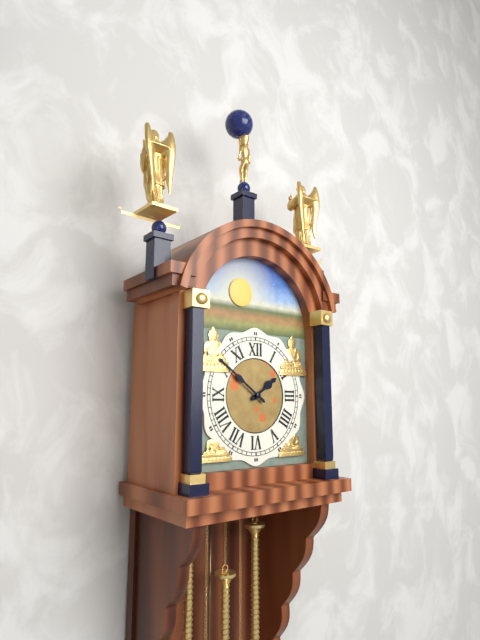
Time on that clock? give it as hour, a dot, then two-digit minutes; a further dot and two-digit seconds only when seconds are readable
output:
1.51
